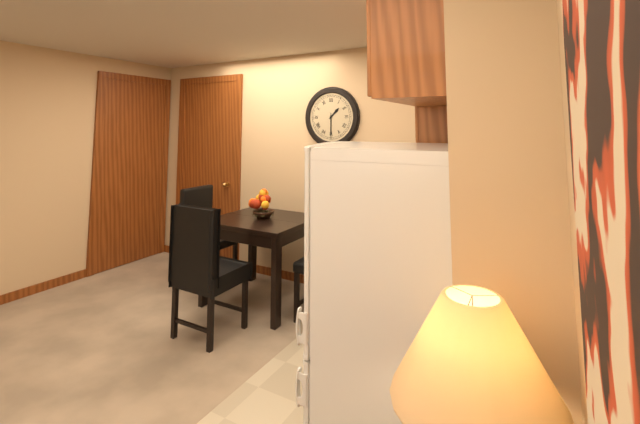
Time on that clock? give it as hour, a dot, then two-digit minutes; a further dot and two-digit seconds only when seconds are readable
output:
1.30
